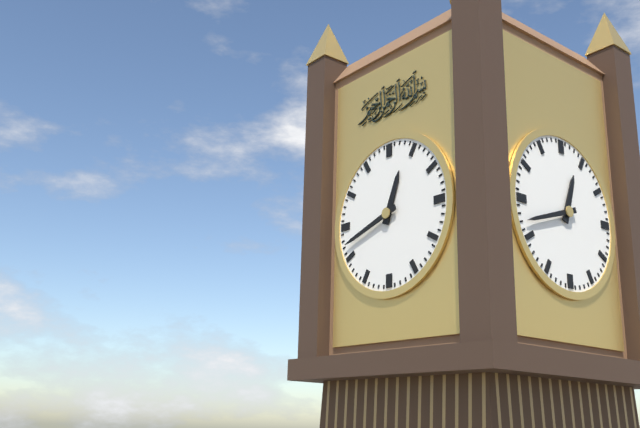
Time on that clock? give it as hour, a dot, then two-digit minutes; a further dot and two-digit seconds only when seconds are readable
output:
12.42
